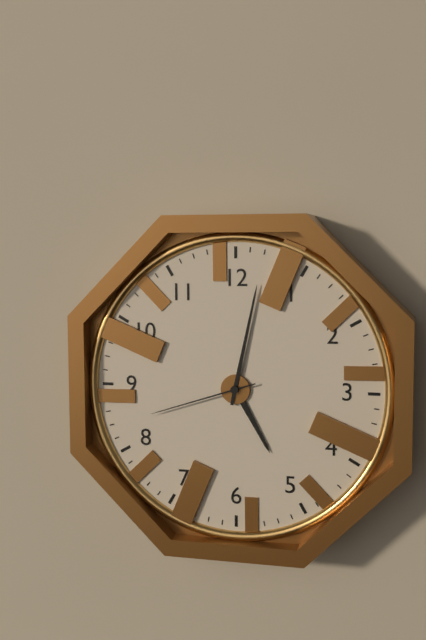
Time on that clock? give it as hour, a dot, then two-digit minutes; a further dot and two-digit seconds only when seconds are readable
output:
5.02.42
